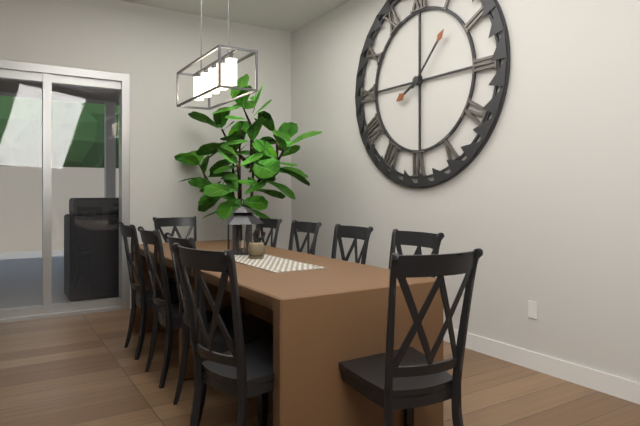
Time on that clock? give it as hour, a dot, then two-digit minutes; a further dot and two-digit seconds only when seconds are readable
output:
8.07
